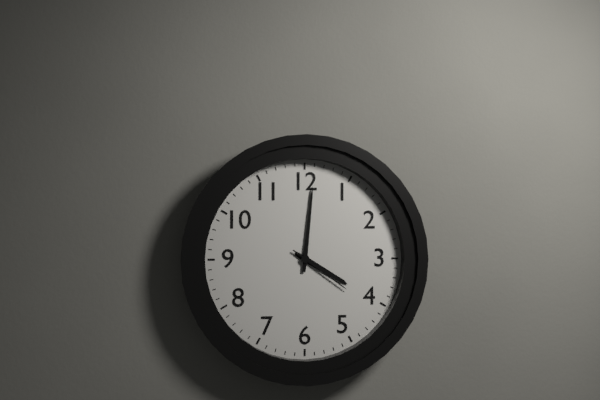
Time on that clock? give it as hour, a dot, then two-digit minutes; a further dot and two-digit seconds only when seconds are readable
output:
4.01.21
